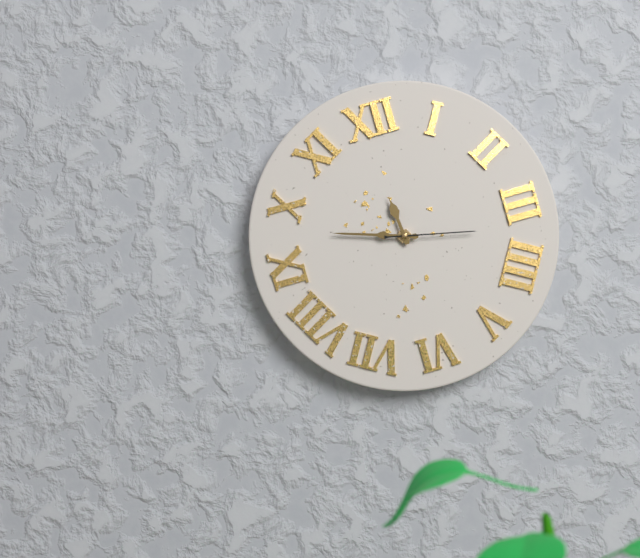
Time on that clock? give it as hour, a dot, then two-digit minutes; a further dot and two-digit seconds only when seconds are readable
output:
11.48.17
